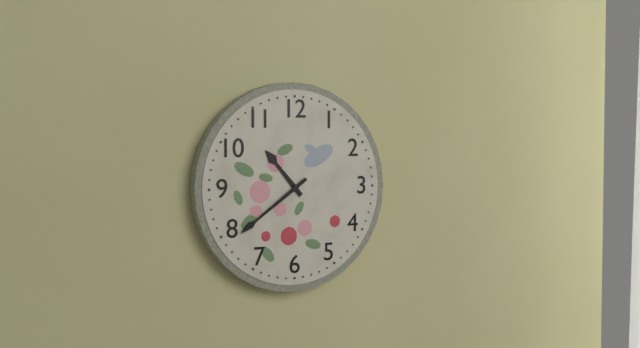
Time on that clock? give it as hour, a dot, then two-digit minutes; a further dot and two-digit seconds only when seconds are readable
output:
10.39
